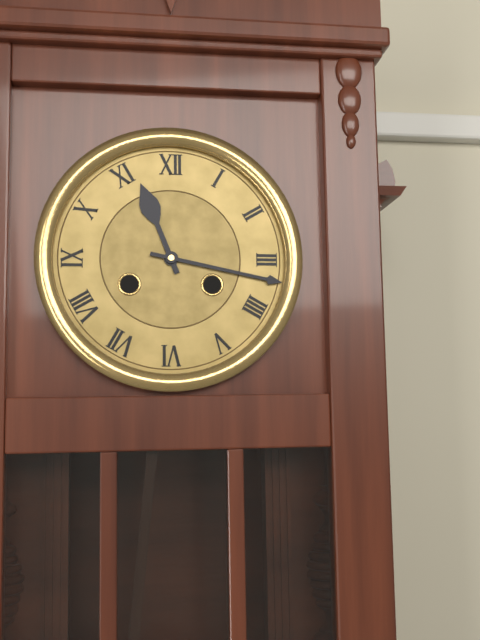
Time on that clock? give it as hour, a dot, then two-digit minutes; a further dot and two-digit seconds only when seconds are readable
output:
11.17
